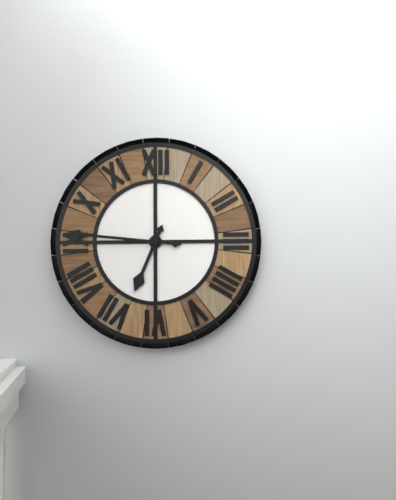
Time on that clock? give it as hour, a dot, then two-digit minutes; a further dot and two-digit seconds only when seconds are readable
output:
6.46
